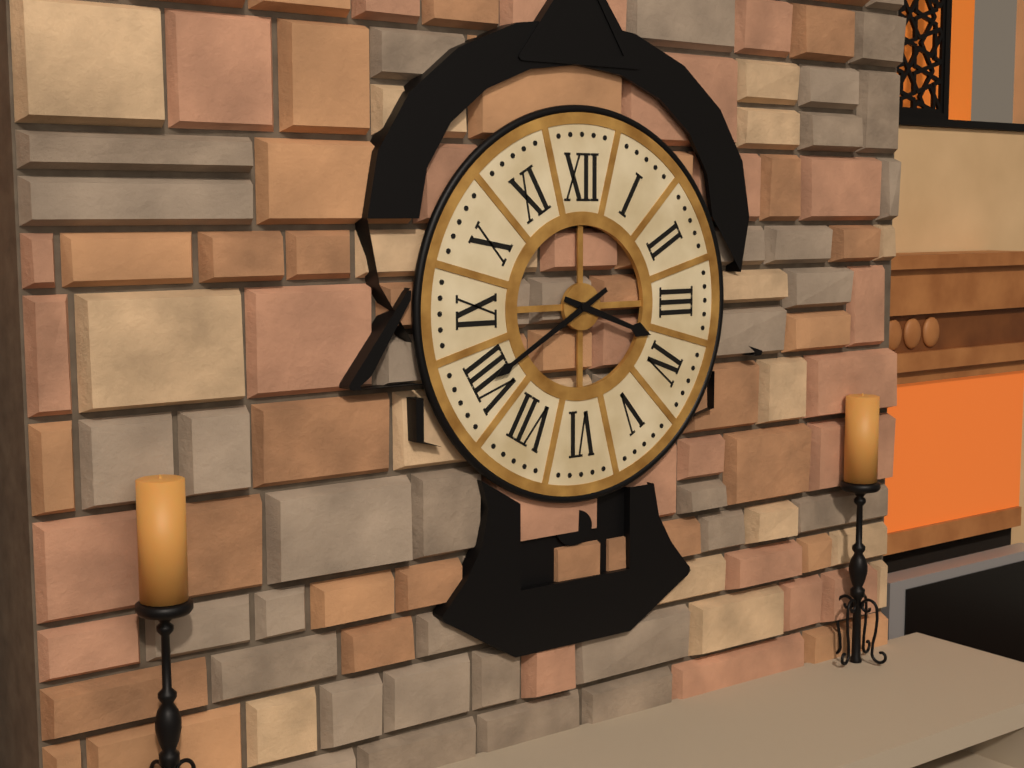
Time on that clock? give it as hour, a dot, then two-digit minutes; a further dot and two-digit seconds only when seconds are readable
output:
3.40
